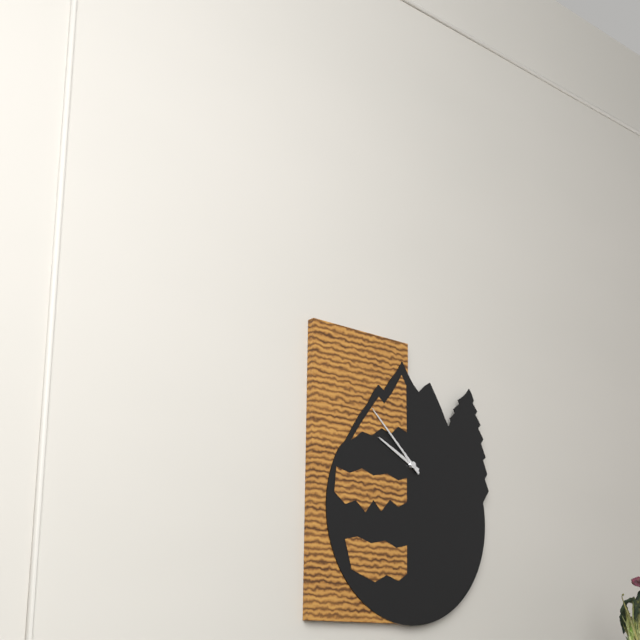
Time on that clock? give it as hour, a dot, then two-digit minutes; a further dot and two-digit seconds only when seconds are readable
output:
9.52
